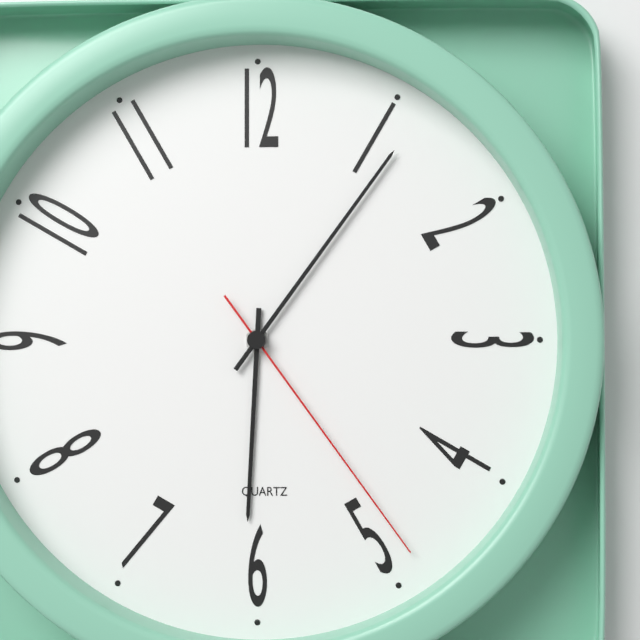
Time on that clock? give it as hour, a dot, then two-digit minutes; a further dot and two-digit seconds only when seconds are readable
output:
6.06.24
